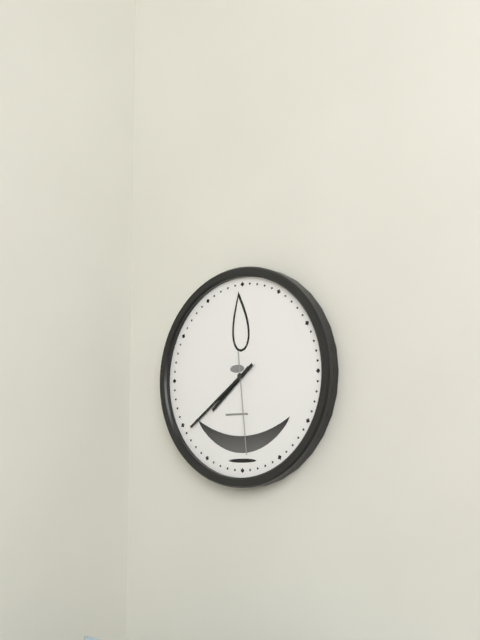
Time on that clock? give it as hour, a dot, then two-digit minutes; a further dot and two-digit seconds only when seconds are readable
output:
7.39.29
